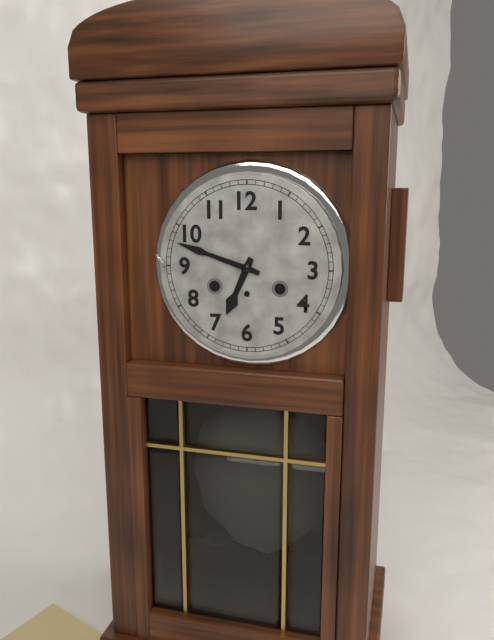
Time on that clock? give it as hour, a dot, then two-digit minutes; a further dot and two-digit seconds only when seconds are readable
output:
6.48
